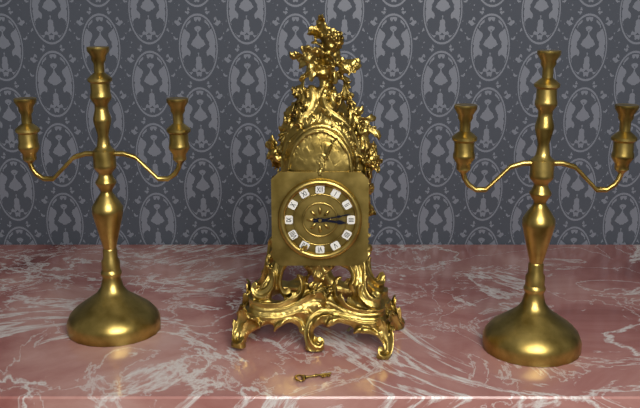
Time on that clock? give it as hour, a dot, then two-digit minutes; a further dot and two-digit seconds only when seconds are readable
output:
3.13
